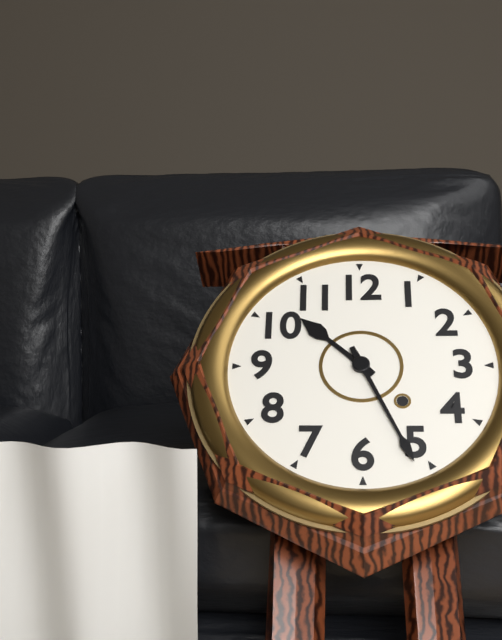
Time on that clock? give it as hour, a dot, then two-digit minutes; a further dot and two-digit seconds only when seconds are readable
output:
10.26
